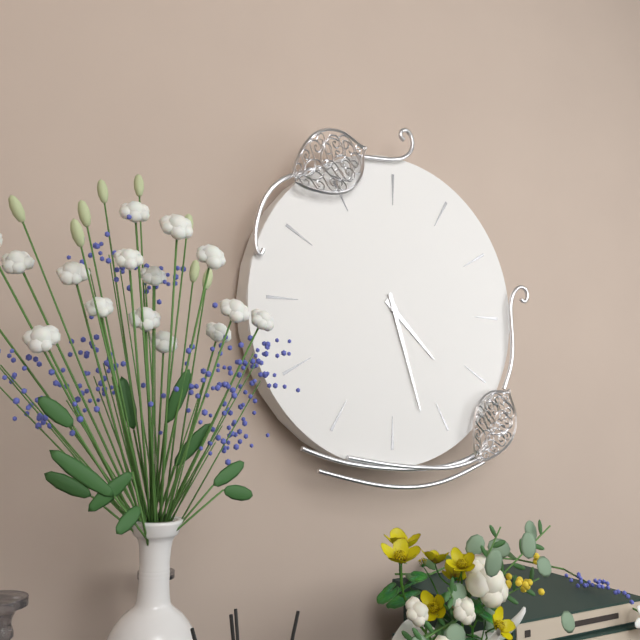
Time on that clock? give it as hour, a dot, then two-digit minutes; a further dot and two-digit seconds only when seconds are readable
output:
4.27
